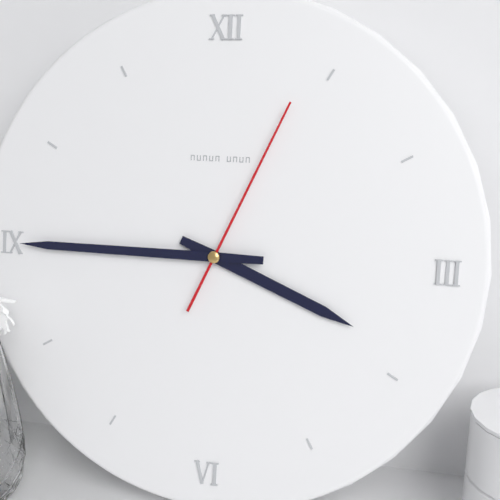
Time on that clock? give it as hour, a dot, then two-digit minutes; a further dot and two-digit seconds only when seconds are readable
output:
3.45.04
